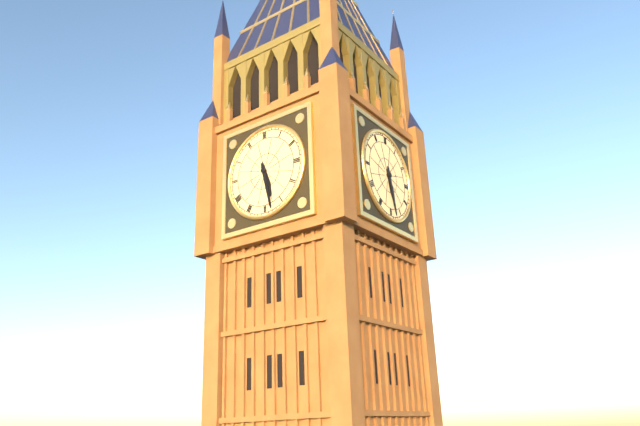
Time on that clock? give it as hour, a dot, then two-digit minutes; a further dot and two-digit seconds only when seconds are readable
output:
5.28
